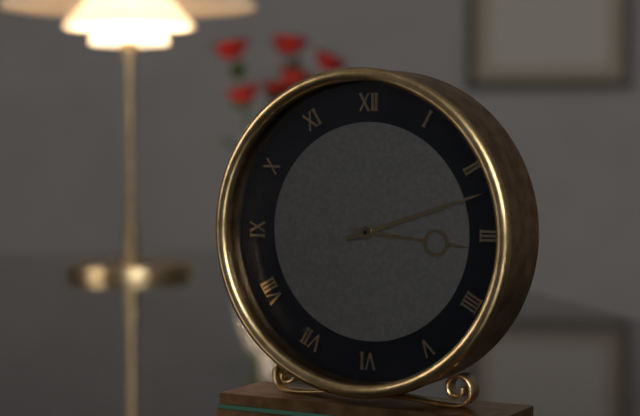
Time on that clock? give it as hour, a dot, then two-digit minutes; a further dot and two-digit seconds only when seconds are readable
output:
3.12
